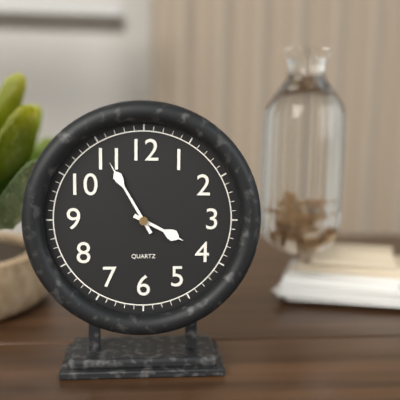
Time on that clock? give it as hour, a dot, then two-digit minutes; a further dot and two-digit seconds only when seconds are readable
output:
3.55
